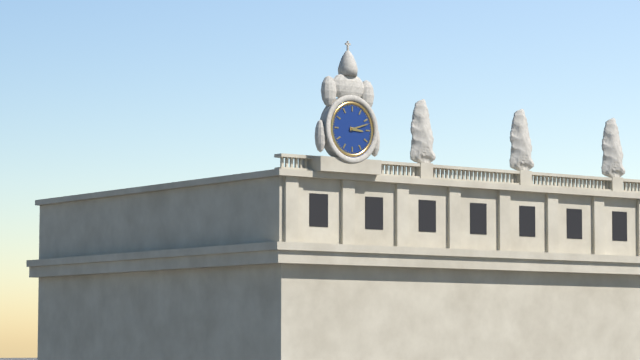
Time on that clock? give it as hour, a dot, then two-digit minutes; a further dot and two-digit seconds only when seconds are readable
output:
3.12
